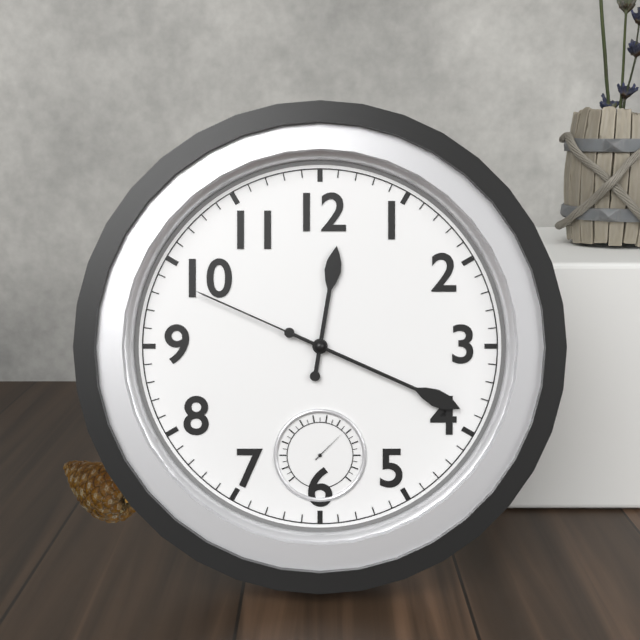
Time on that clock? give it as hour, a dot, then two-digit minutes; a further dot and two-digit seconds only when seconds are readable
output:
12.19.49
